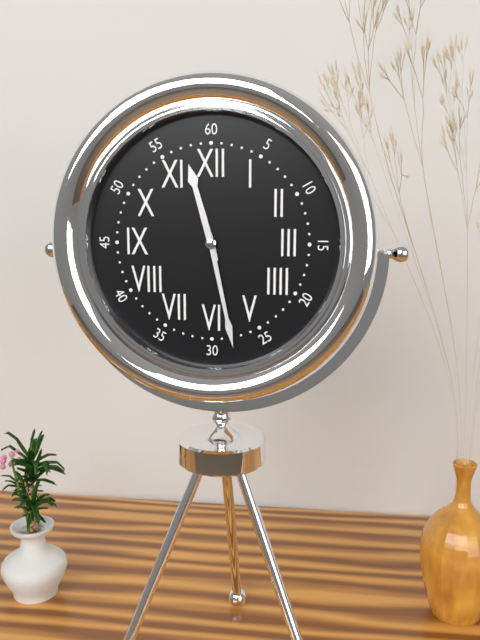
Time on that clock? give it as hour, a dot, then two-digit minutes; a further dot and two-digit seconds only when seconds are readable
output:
11.28
